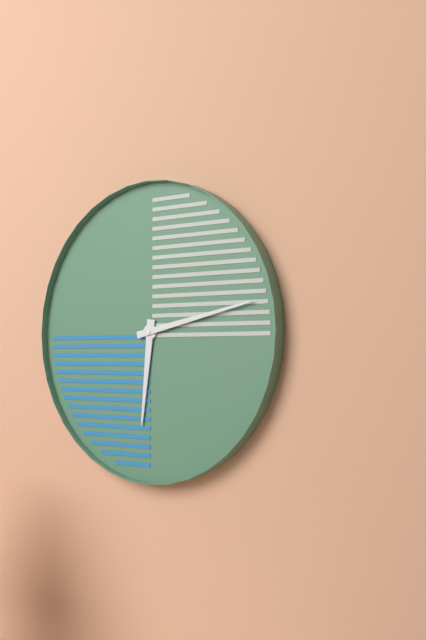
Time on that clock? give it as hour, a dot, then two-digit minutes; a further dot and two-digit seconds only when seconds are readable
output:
6.13
